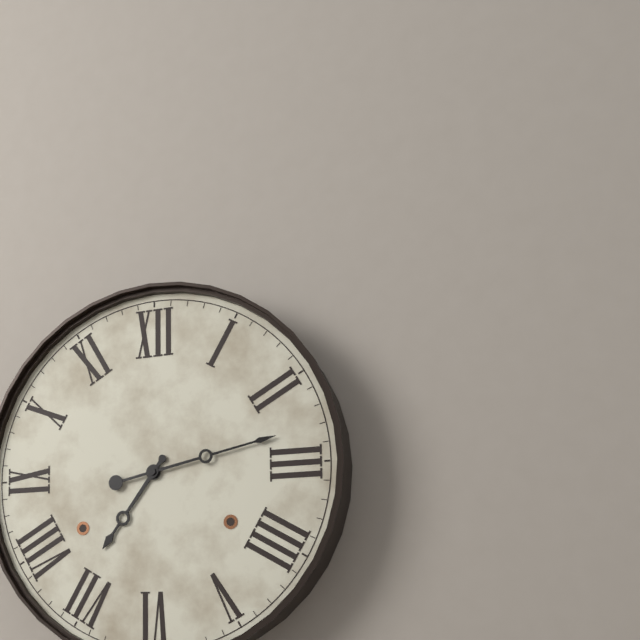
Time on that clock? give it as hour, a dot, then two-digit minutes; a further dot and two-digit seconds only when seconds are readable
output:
7.13
